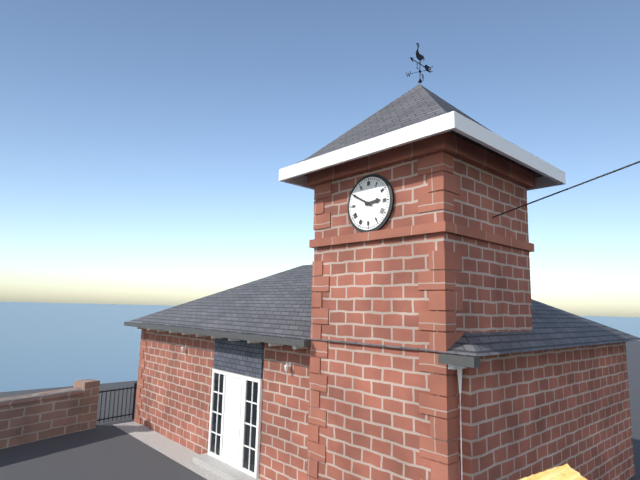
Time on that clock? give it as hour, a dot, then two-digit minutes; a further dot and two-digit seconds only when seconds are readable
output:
2.50
